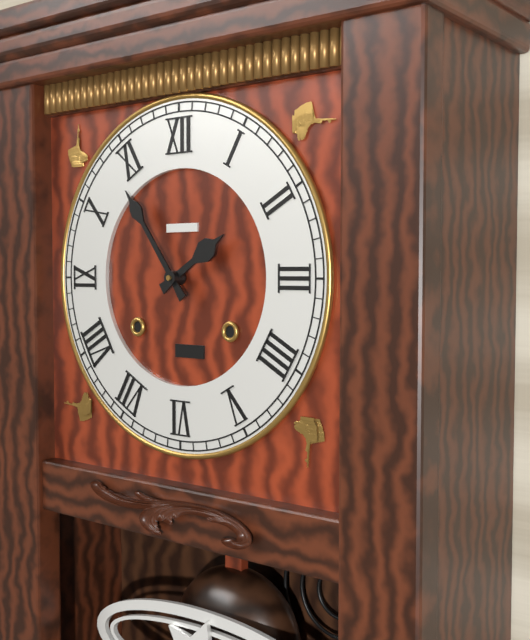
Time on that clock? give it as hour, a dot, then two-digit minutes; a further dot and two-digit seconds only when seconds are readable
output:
1.54
